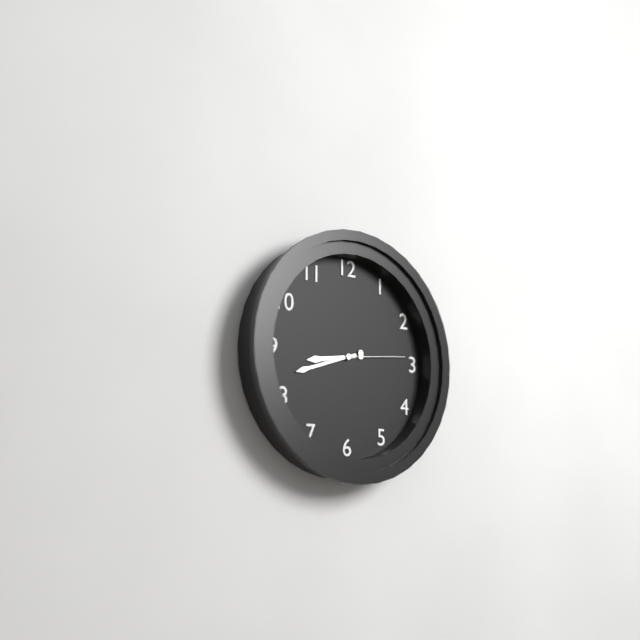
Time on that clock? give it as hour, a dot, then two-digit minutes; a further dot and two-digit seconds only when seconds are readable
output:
8.42.14
